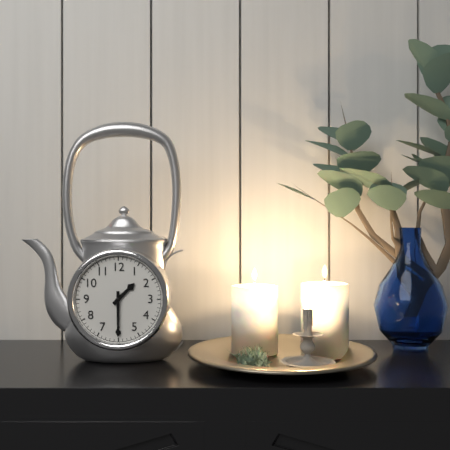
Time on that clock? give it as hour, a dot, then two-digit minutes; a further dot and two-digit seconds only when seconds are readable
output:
1.30
